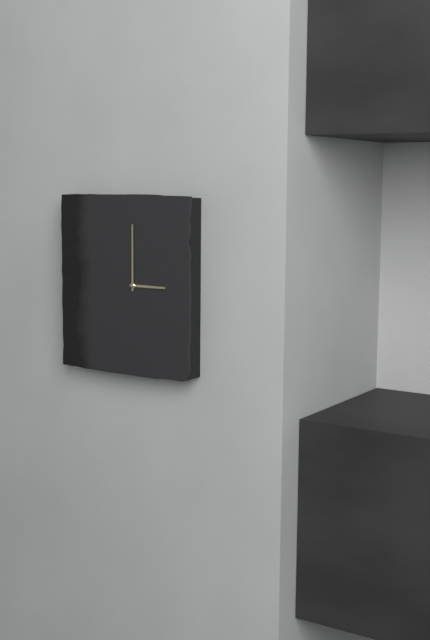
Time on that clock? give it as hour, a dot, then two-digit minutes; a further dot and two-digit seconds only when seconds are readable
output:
3.00
